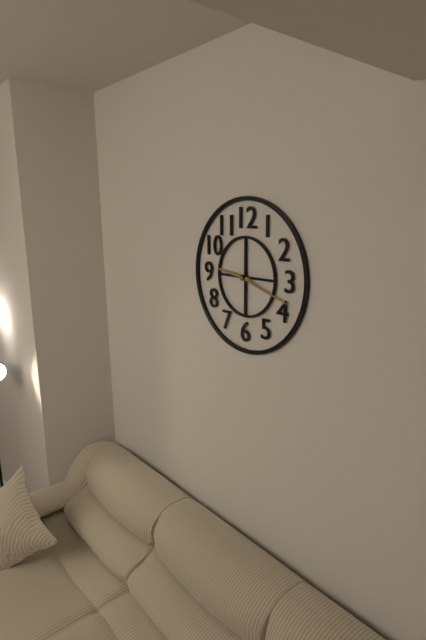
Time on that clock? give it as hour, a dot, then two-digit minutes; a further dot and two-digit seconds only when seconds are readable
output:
9.18
